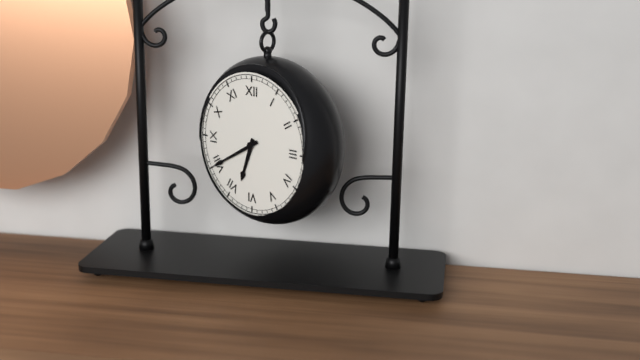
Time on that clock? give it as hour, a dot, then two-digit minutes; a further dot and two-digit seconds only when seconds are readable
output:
6.40
